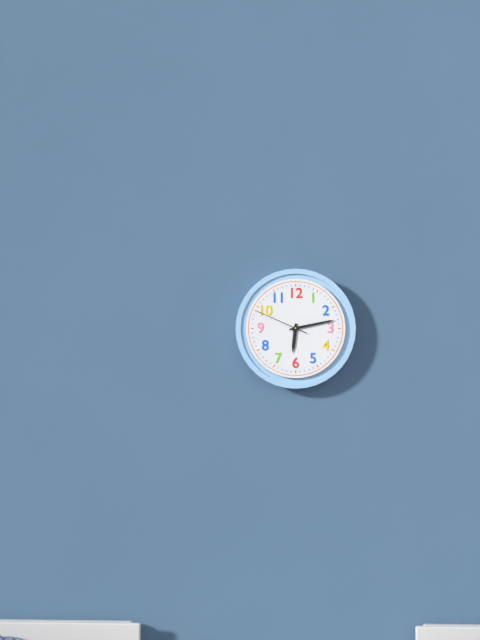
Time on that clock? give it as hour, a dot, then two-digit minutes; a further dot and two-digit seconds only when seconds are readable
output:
6.13.49
